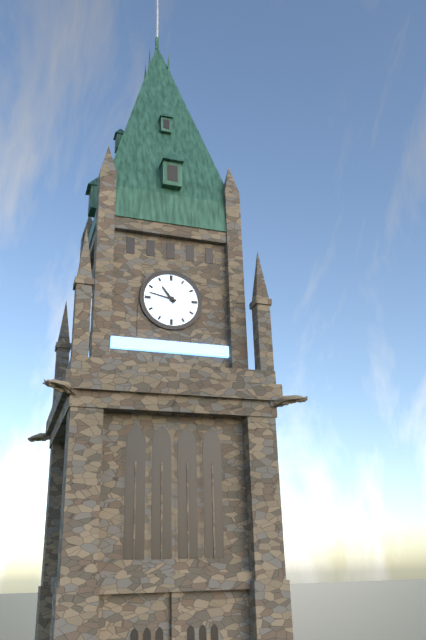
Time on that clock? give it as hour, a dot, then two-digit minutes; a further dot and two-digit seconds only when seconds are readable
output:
10.47
